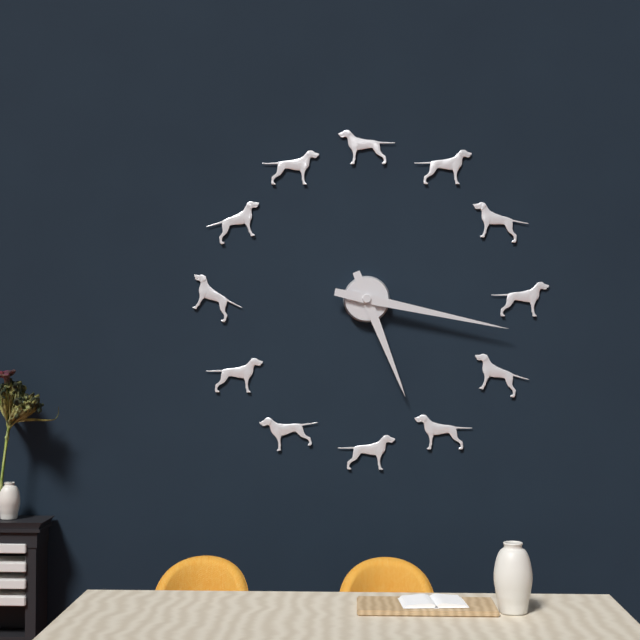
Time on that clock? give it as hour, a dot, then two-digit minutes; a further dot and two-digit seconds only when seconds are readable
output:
5.17
